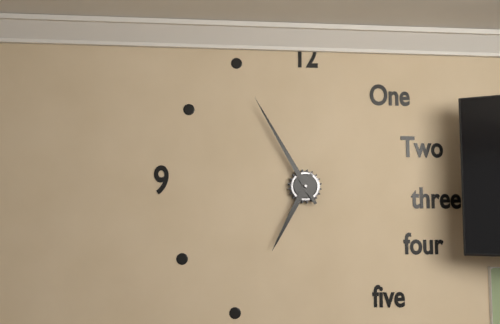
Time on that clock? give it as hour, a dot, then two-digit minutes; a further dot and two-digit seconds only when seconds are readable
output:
6.55
